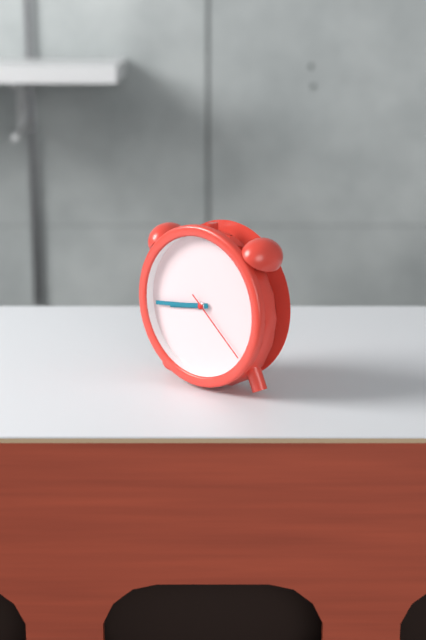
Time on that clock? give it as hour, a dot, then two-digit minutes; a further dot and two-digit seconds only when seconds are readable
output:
8.44.22
